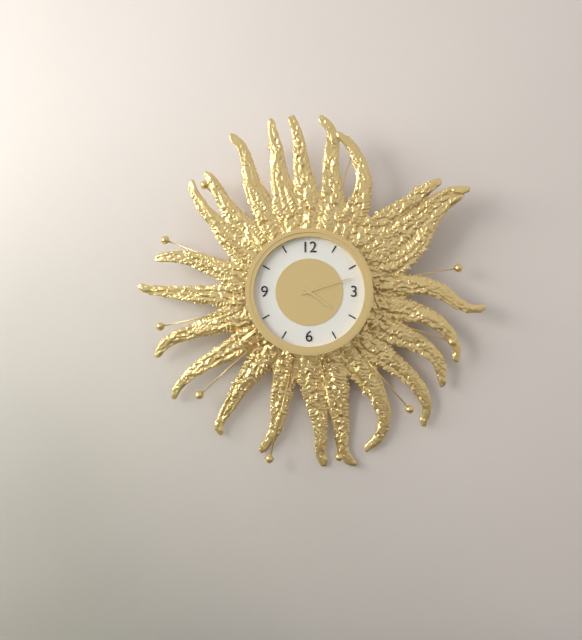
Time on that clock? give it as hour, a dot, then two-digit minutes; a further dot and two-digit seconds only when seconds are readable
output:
4.12
